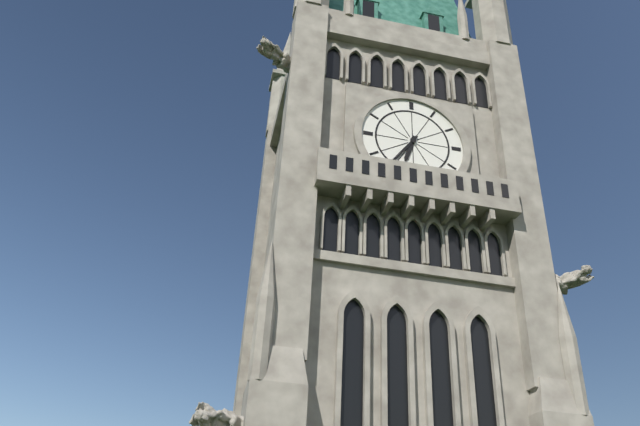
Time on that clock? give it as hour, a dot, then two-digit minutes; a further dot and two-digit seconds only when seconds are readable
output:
6.36
